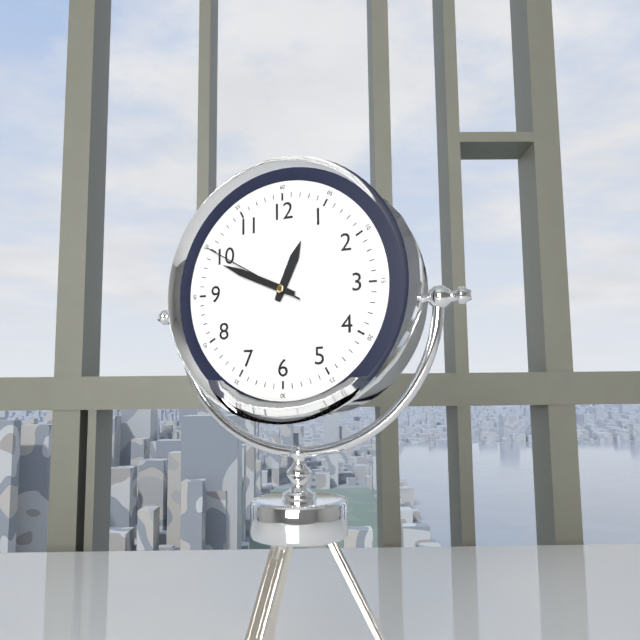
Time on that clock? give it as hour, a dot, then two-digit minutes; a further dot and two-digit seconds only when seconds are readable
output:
12.49.50
